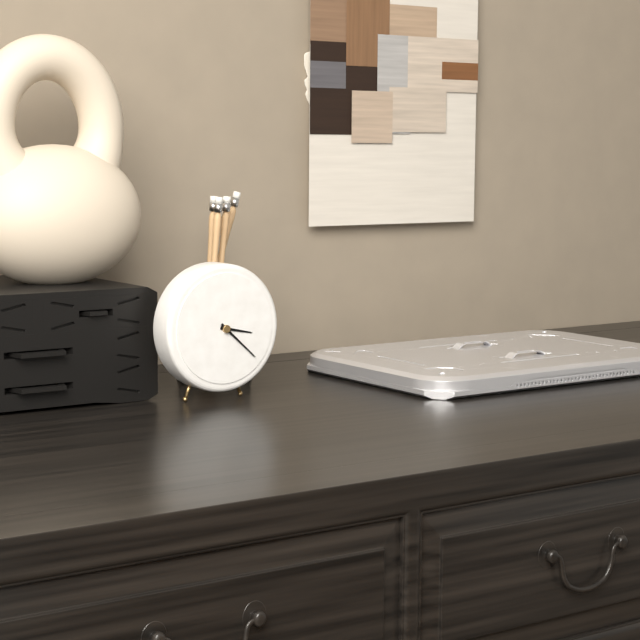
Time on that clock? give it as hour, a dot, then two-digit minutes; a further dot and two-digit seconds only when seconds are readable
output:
3.22
